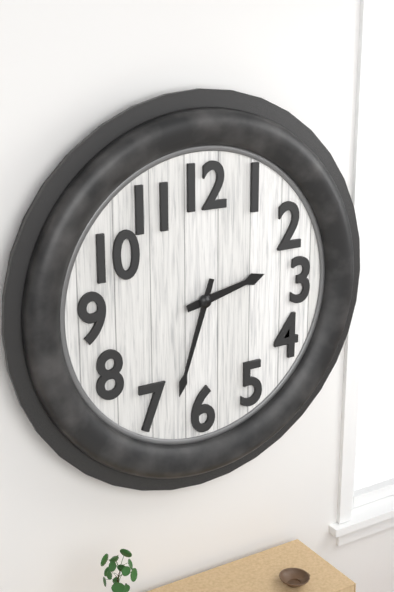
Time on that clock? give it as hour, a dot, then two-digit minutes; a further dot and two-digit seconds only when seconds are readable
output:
2.33
